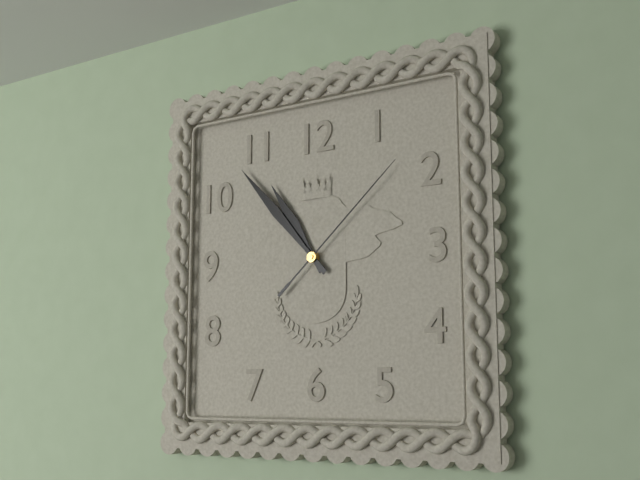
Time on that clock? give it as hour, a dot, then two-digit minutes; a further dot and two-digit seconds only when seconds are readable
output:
10.53.08
